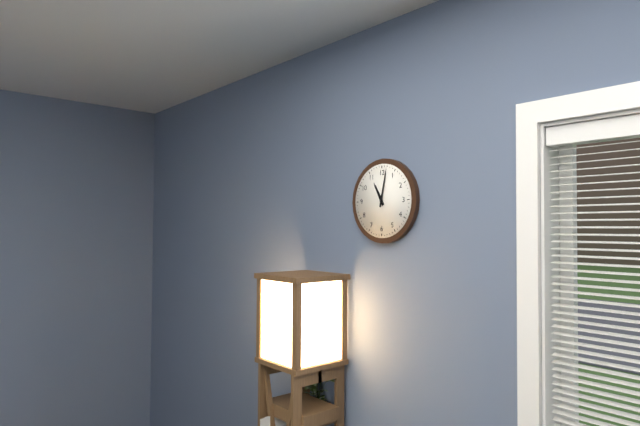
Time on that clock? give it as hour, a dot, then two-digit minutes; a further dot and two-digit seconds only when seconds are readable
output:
11.02
